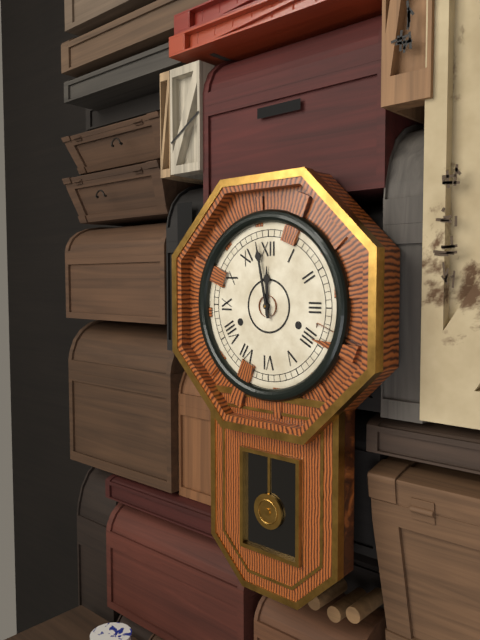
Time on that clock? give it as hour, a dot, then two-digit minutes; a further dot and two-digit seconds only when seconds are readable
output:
11.58
